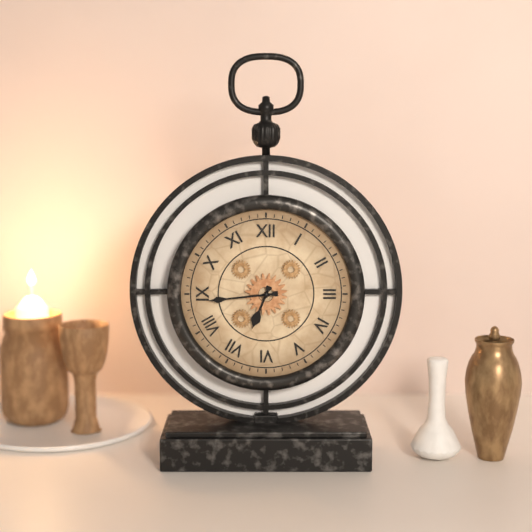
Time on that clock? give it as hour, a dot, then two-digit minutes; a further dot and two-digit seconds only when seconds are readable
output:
6.44
